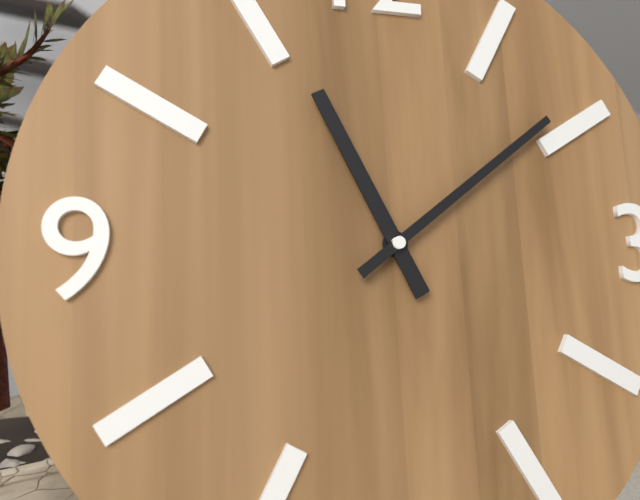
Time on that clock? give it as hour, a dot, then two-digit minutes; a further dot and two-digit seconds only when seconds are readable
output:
11.09
